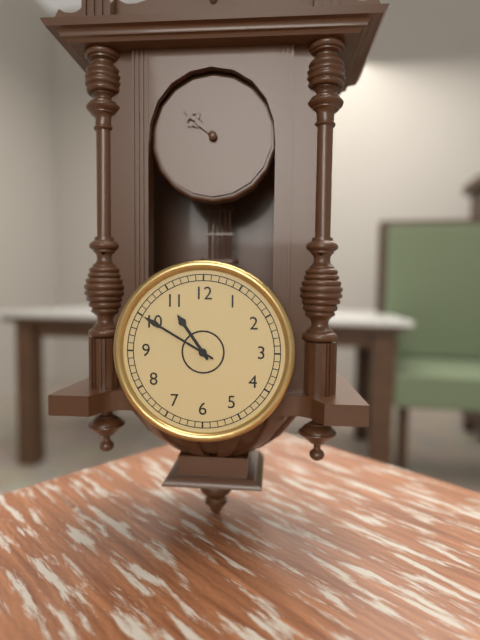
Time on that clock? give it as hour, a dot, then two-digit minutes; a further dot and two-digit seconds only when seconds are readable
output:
10.50
